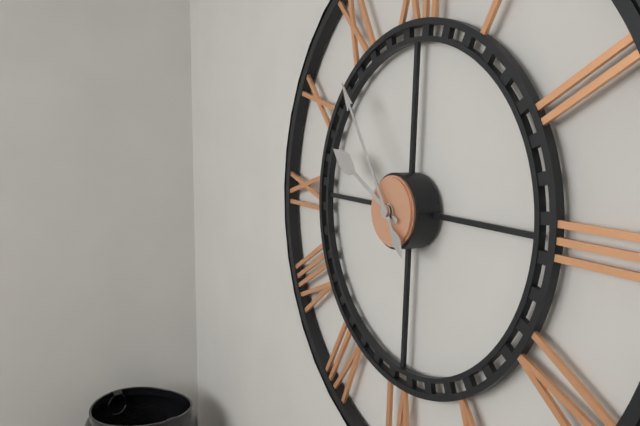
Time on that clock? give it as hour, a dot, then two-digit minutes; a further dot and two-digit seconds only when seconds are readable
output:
9.54
